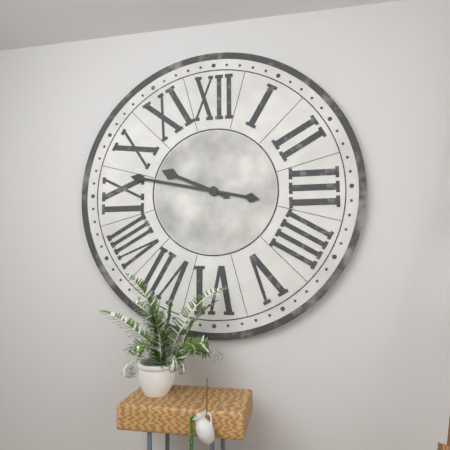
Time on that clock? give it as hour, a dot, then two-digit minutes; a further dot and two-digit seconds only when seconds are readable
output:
9.47
